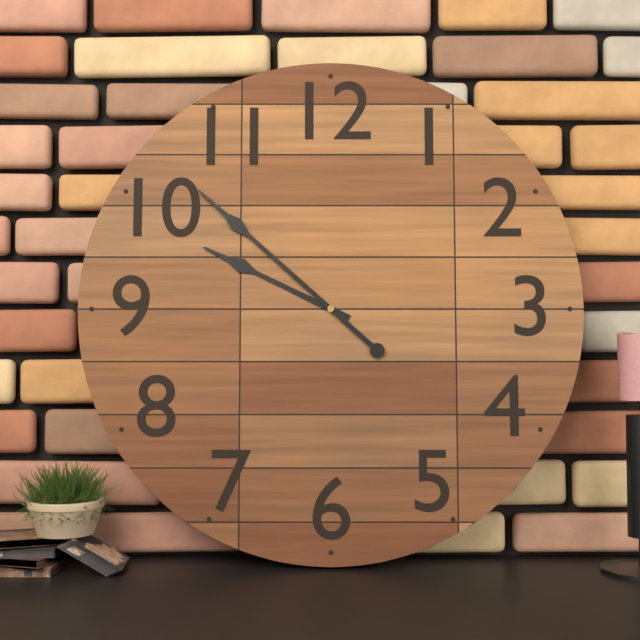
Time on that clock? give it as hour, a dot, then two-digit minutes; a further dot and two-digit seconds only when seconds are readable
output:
9.52
